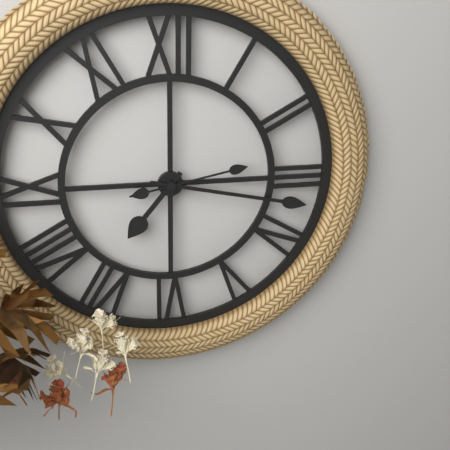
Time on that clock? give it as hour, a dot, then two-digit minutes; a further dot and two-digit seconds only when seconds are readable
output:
7.17.13
